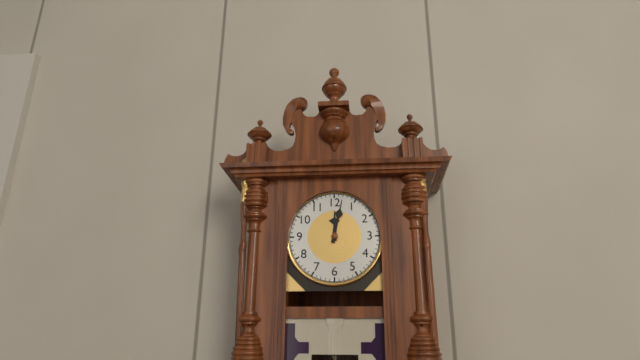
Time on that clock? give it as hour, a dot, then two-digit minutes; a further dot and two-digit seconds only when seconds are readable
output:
12.02
